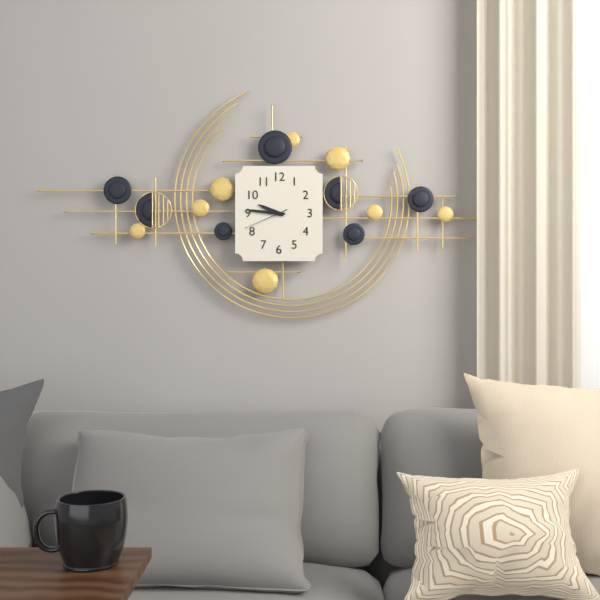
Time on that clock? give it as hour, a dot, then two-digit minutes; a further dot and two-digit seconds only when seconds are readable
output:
9.46
